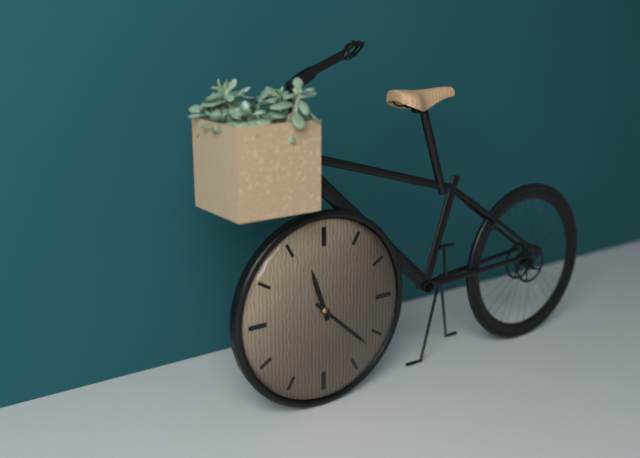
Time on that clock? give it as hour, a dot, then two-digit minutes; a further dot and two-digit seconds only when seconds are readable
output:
11.22
